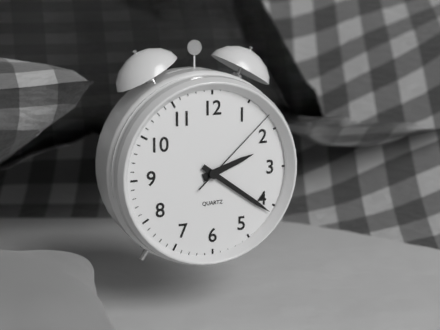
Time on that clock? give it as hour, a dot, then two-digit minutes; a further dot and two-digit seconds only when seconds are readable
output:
2.21.08
